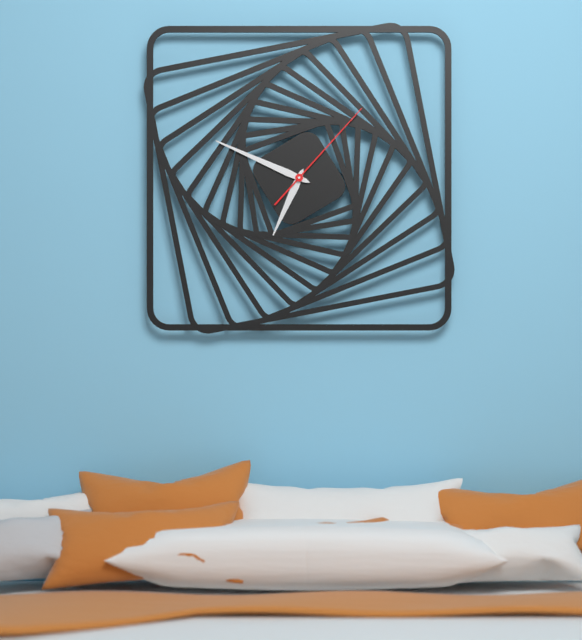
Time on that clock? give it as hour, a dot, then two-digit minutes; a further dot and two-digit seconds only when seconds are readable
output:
6.49.07
